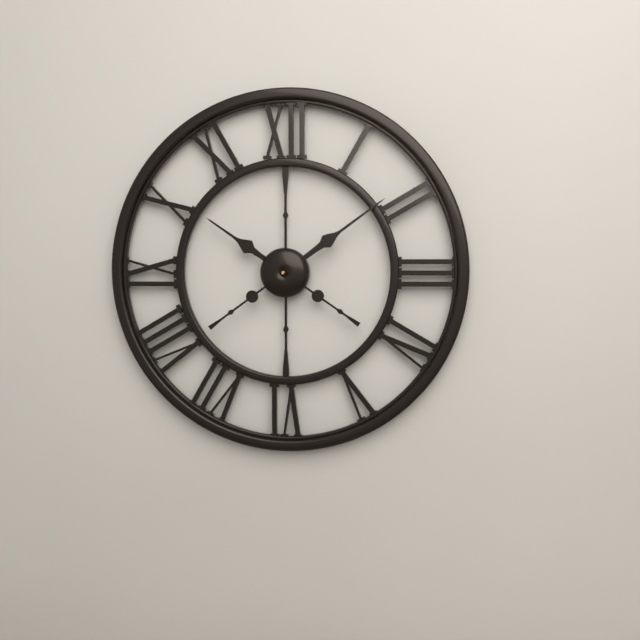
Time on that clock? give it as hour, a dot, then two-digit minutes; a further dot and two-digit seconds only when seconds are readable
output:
10.09
